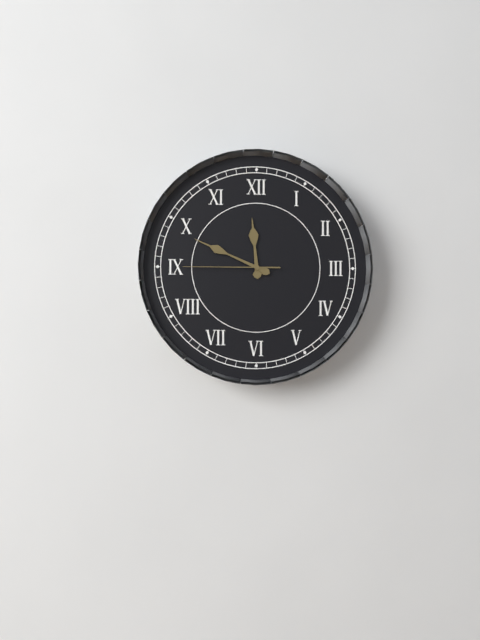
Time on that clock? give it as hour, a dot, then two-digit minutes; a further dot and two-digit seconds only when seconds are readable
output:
11.49.45
